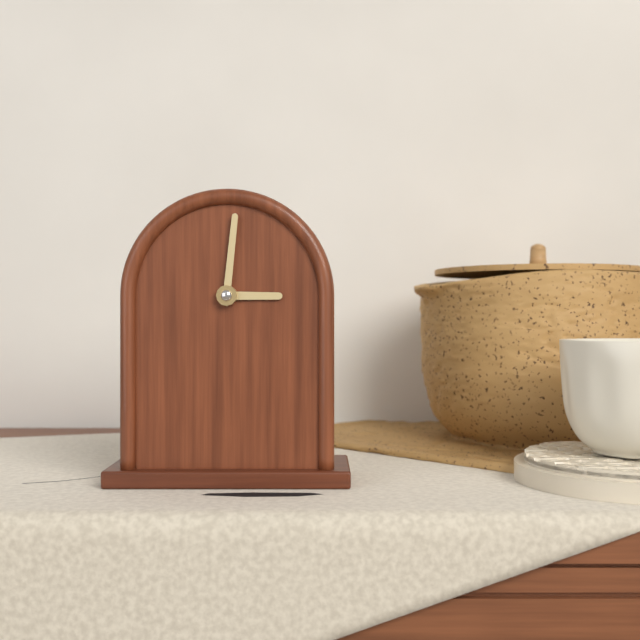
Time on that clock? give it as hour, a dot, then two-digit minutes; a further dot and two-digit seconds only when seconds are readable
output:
3.01
